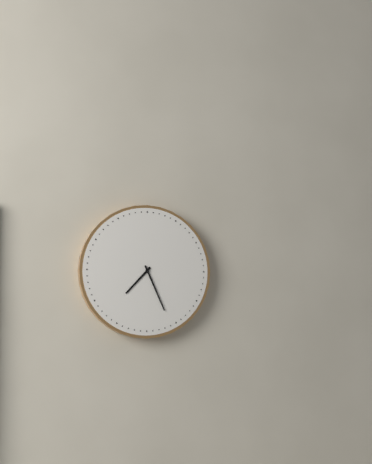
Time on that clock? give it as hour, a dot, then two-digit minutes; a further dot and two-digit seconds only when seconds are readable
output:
7.26
